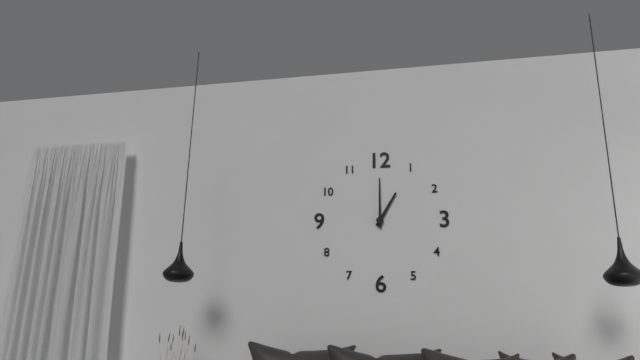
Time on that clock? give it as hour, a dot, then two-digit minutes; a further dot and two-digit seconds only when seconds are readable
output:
1.00
